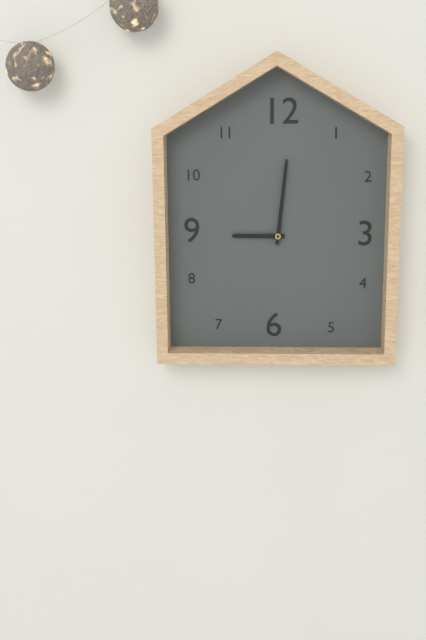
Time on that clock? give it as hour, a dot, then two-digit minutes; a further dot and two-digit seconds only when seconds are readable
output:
9.01
